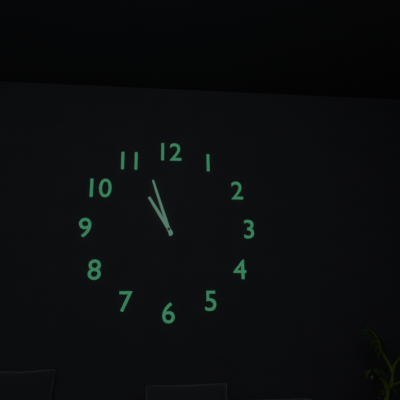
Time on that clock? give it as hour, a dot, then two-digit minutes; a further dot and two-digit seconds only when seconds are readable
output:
10.57
